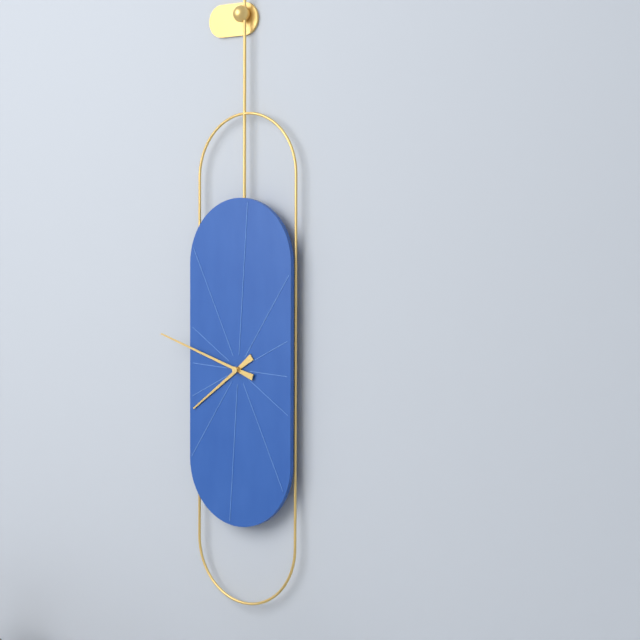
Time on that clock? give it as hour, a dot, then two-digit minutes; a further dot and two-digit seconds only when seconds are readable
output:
7.48
